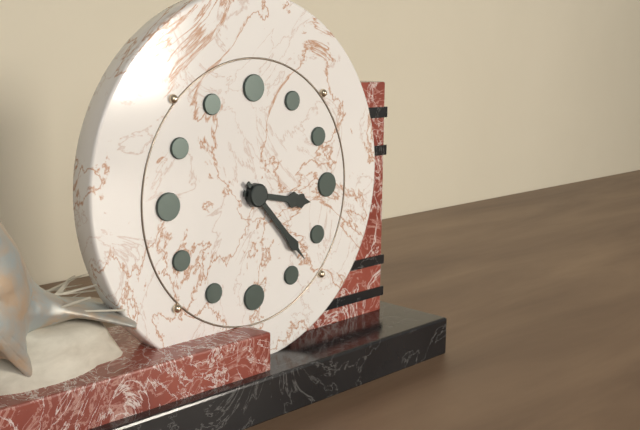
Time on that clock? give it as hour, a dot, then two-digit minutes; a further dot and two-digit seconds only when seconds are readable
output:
3.23
